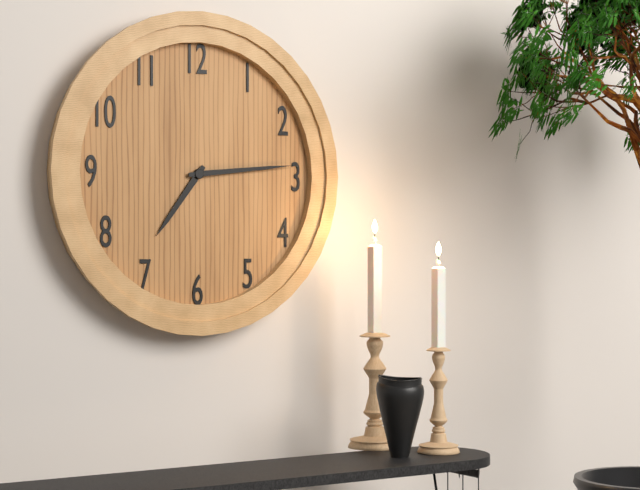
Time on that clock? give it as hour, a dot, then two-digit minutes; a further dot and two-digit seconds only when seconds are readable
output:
7.14
